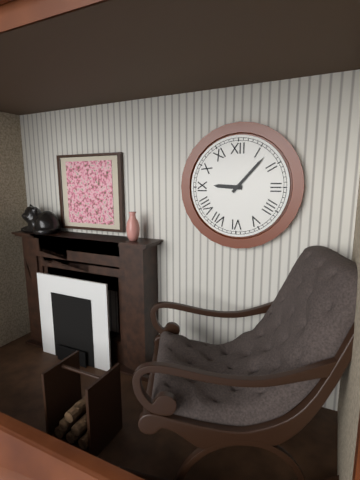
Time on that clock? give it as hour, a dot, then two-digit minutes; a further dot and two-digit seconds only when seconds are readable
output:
9.07
